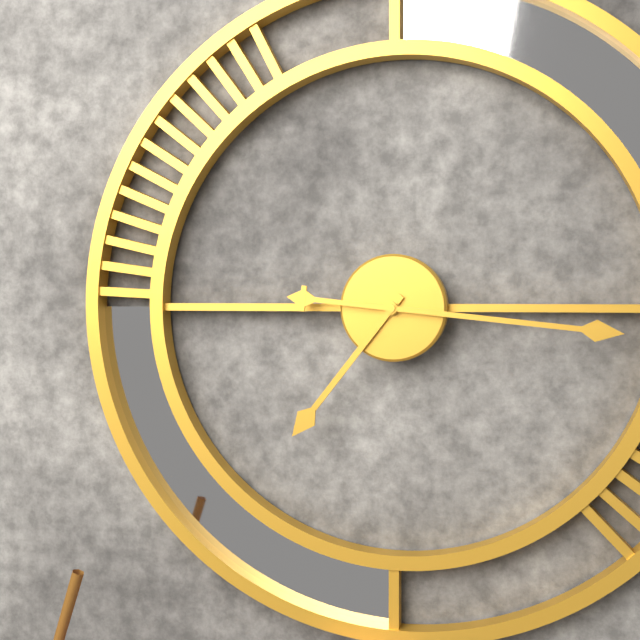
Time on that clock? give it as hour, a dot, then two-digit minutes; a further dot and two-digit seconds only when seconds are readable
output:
7.16
